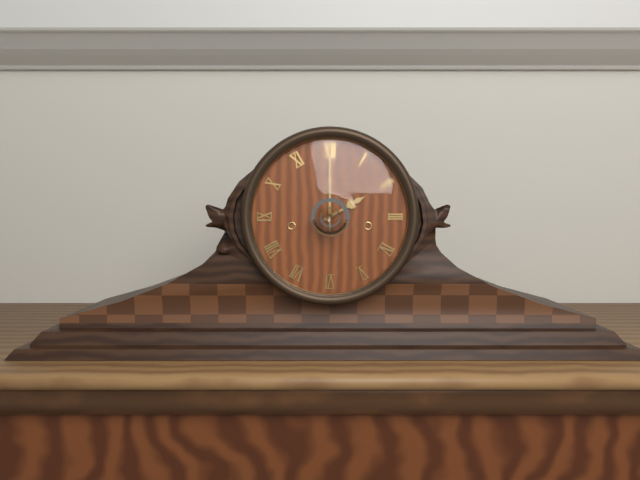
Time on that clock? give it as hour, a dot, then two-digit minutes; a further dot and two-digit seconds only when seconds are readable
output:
2.00
